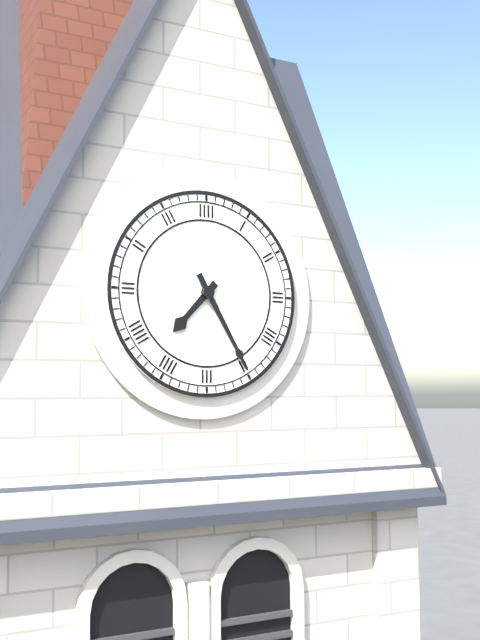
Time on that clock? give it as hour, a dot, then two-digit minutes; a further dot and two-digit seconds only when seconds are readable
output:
7.25
